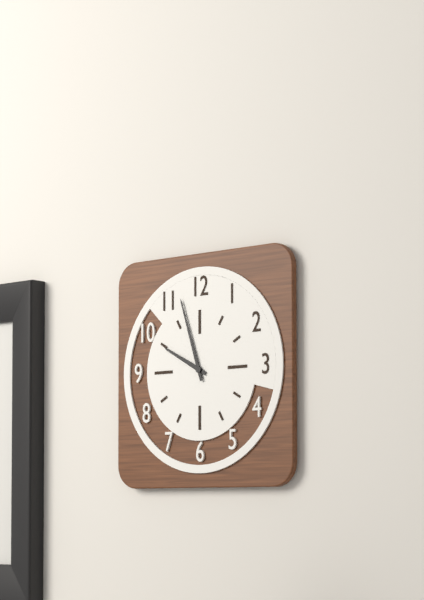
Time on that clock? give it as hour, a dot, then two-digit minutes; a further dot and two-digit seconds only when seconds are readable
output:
9.57
